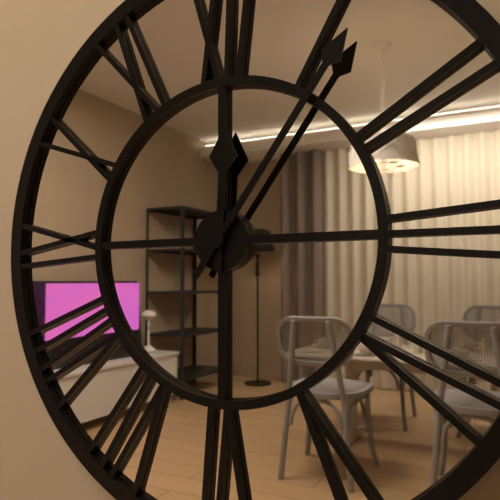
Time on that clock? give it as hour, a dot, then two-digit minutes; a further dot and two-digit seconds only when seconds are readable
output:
12.06
